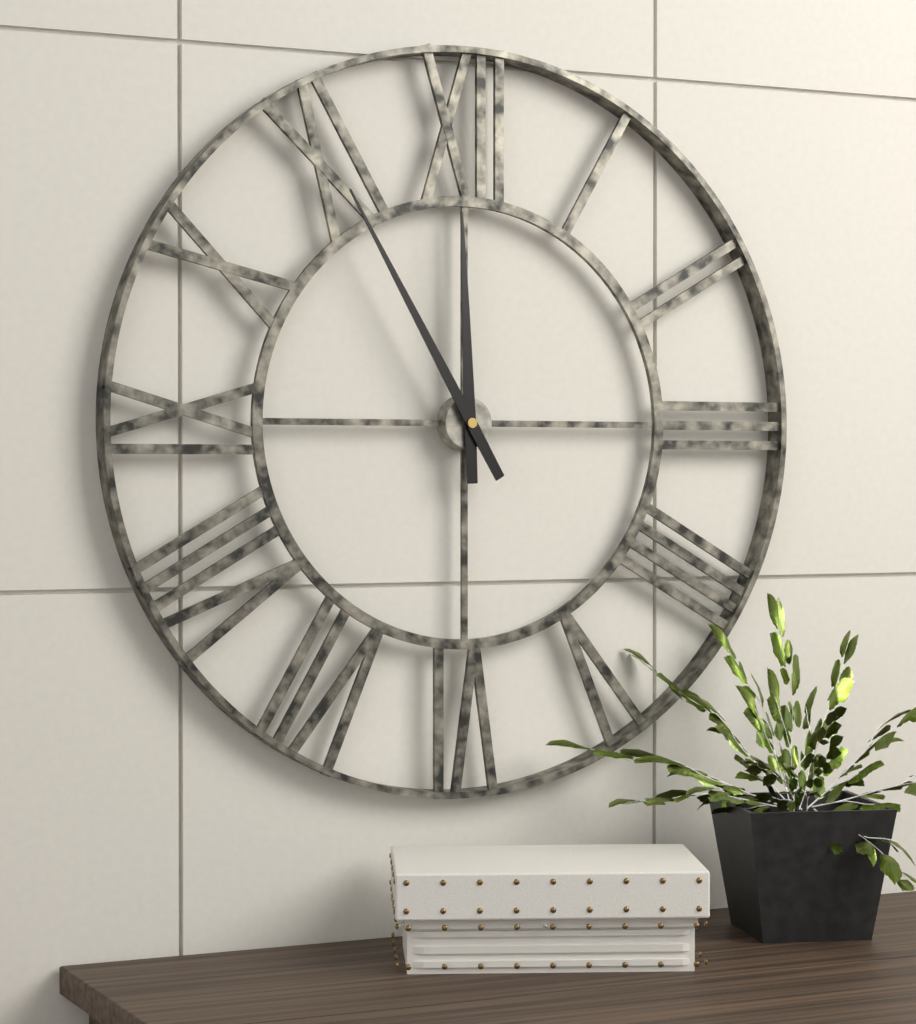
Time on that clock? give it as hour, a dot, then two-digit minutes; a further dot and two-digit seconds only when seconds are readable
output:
11.55
